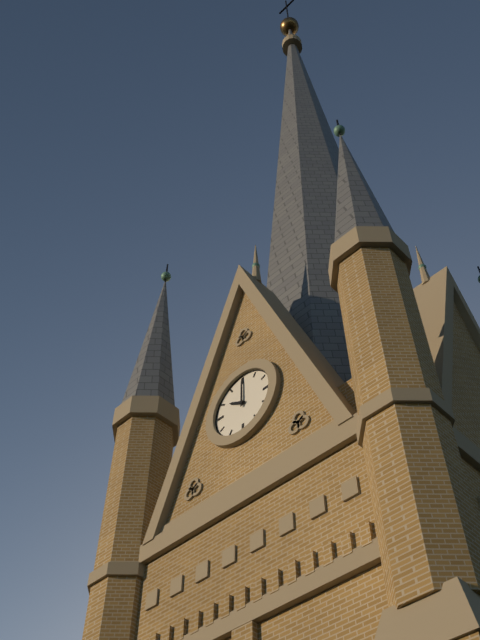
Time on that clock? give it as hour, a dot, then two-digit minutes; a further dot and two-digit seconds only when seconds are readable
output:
10.00
